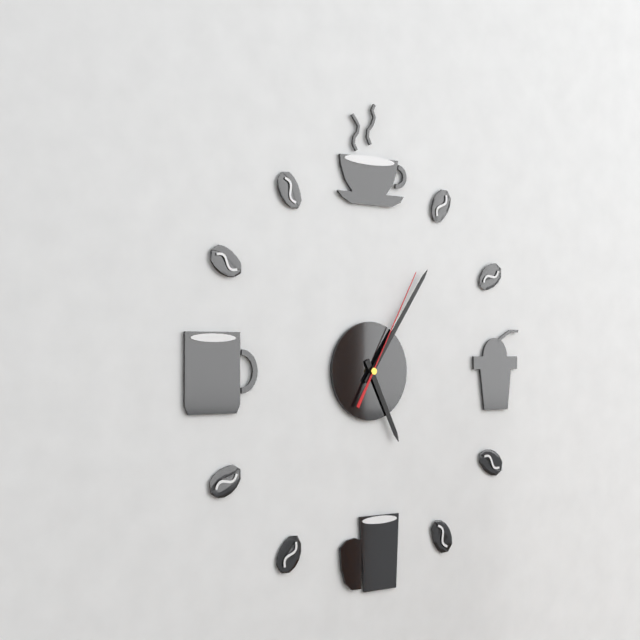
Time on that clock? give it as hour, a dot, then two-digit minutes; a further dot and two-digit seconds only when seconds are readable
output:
5.06.05
